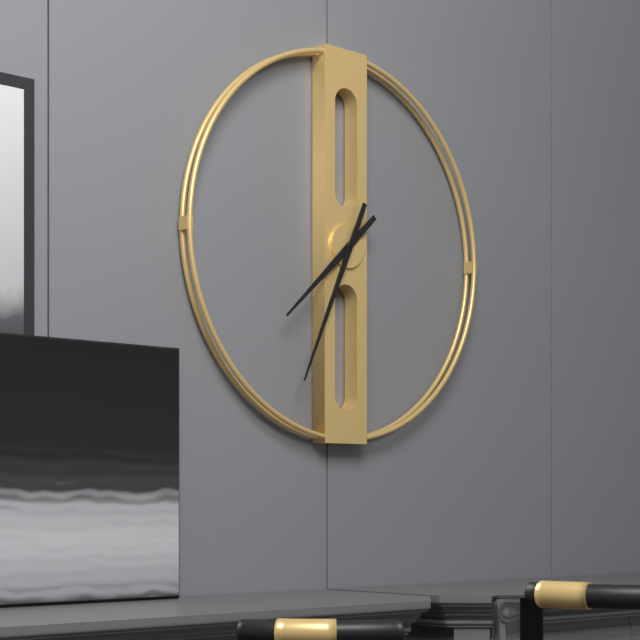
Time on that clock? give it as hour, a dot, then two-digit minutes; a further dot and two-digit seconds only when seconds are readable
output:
7.34
